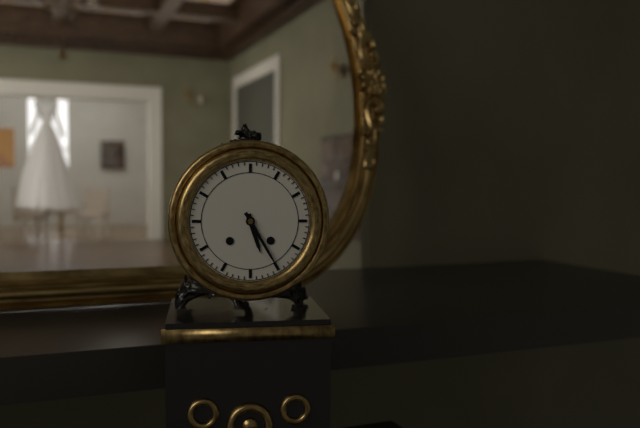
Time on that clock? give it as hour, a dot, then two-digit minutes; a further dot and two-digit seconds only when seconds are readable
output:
5.25
